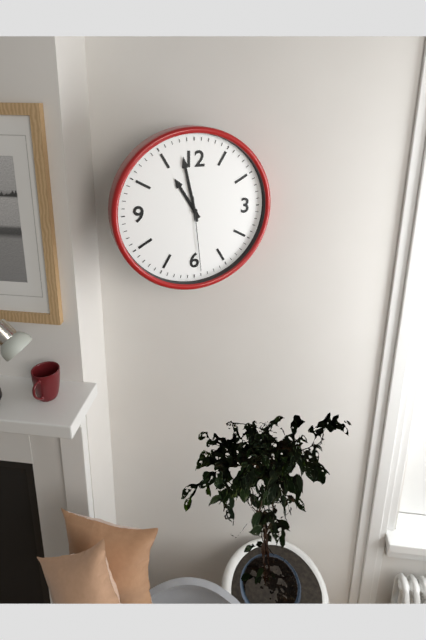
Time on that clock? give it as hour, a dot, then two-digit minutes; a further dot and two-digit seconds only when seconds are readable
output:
10.58.29
